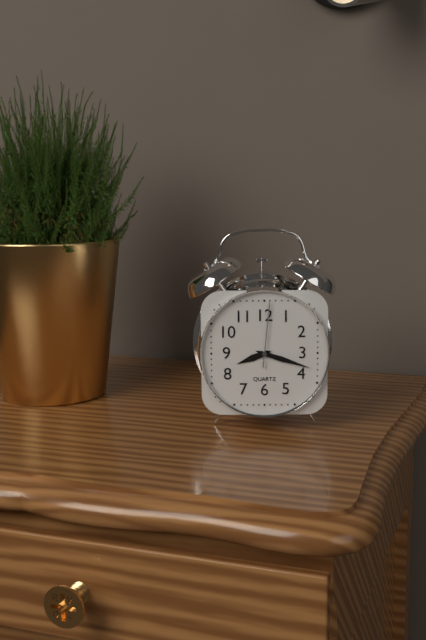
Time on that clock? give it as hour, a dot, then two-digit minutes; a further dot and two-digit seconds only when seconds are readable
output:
8.18.01
